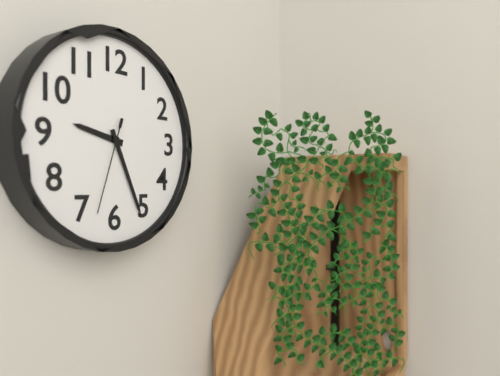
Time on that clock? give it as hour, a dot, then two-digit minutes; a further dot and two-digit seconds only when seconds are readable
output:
9.26.33
